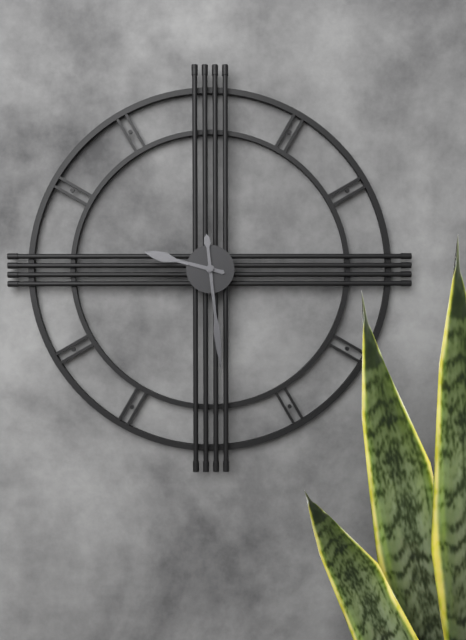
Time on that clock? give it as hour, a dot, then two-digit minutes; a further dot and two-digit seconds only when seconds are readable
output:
9.29
